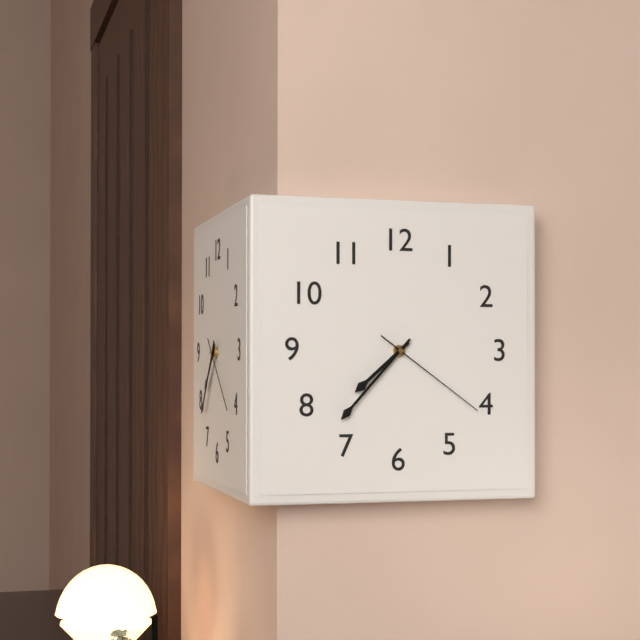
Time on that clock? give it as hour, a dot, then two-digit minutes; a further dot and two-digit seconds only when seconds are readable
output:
7.37.21
